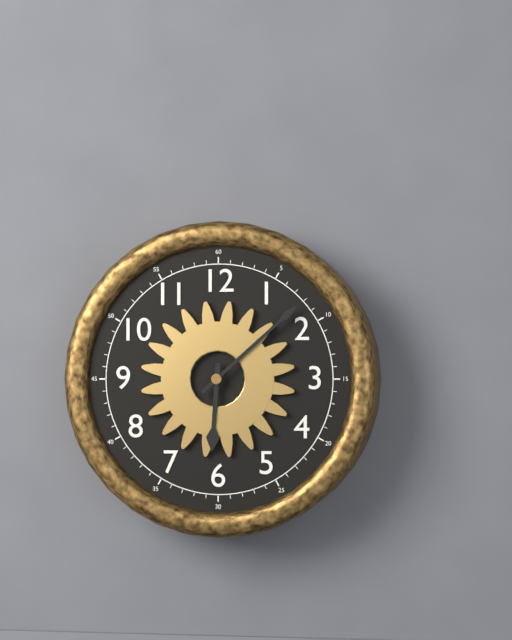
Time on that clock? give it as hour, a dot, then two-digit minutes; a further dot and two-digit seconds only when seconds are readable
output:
6.08
